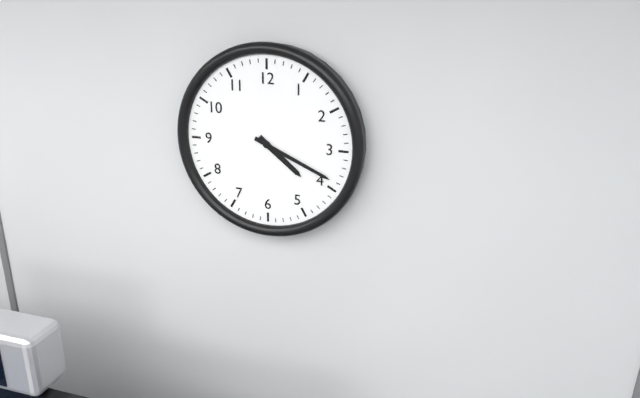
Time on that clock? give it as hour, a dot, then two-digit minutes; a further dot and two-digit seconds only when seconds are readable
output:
4.19
